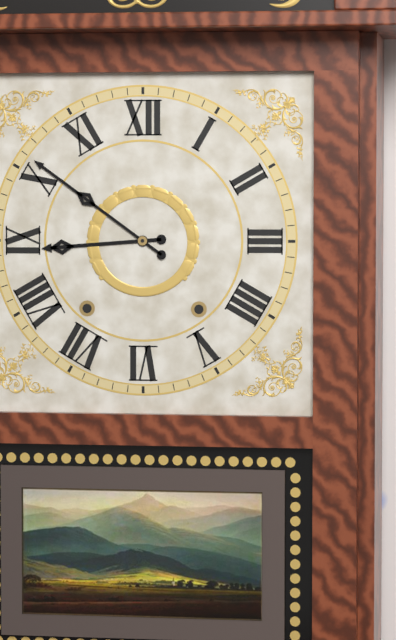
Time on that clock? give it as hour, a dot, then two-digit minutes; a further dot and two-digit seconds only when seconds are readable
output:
8.51
